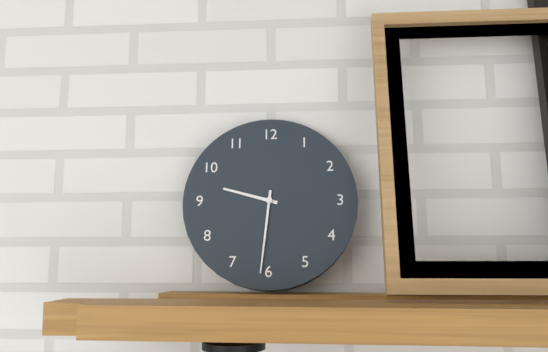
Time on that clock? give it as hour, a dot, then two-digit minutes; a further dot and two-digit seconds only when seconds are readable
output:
9.31
